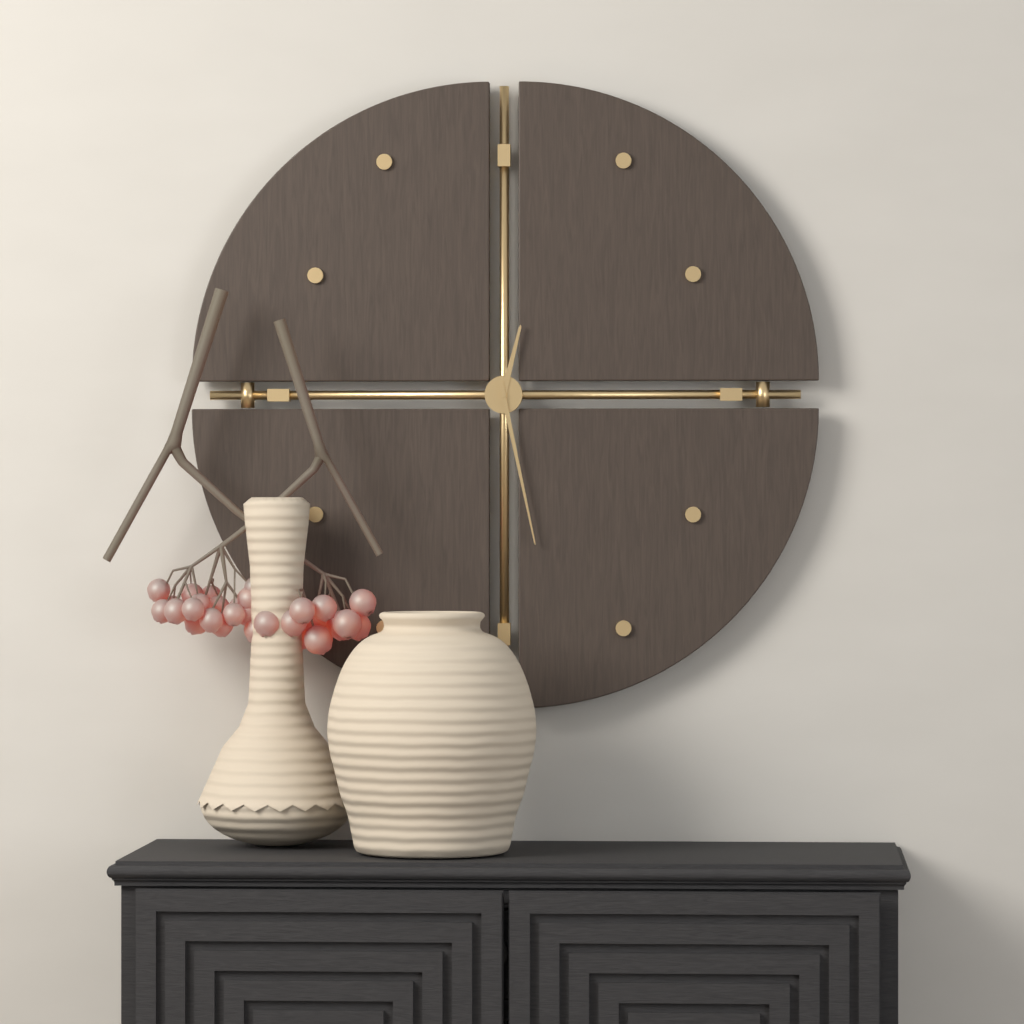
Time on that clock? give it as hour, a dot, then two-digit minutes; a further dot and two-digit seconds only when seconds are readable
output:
12.28
